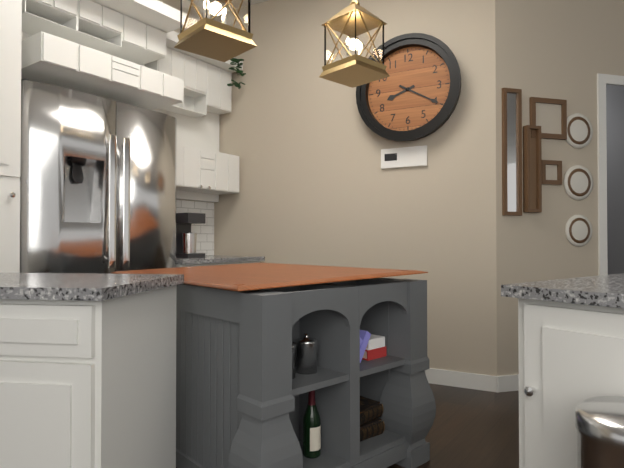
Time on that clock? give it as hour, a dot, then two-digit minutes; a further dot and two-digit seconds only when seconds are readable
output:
8.20
